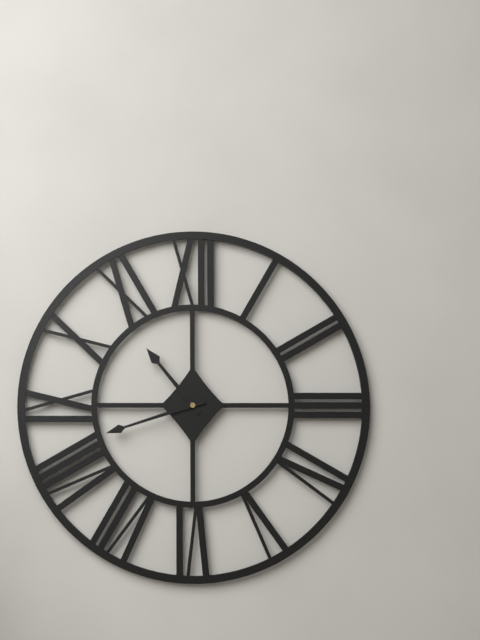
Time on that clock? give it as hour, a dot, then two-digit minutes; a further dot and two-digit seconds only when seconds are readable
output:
10.42
